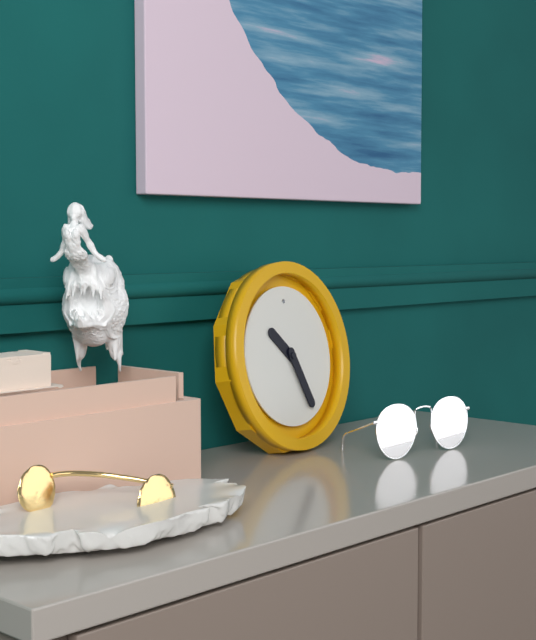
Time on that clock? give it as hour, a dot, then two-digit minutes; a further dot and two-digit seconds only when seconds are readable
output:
10.26
